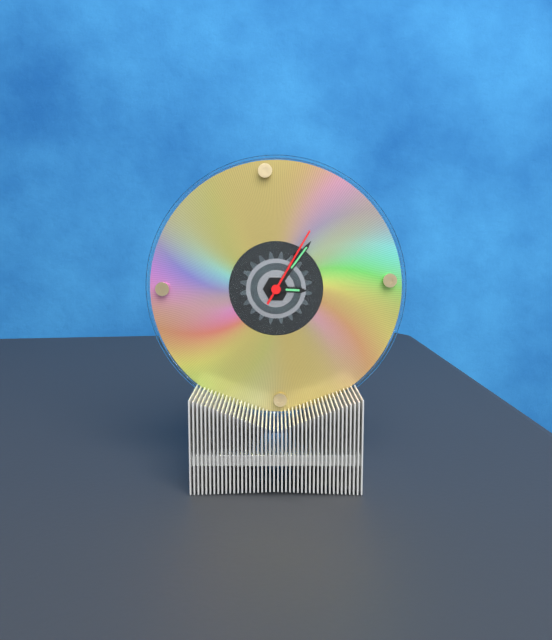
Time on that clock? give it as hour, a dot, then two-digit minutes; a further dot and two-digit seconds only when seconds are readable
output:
3.06.05
